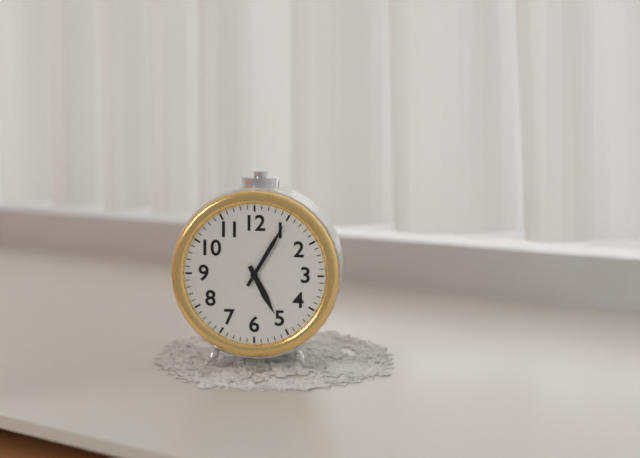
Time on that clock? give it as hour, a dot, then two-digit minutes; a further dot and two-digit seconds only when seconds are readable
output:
5.05
